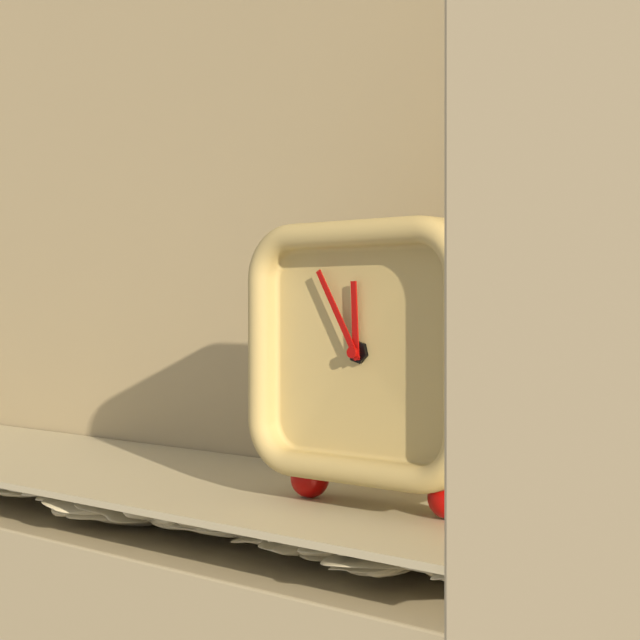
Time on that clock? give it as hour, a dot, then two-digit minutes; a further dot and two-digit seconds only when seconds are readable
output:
11.55
